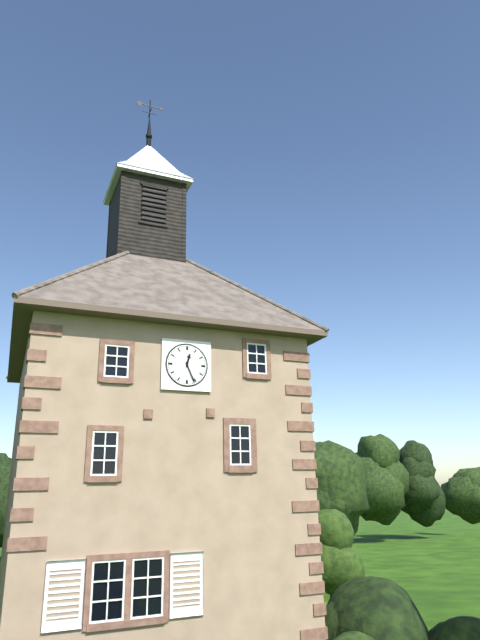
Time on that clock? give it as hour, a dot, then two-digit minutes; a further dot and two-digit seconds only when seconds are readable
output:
12.26
